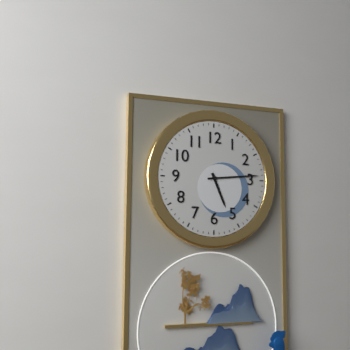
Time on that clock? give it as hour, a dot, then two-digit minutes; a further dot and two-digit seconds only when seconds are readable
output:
5.14
